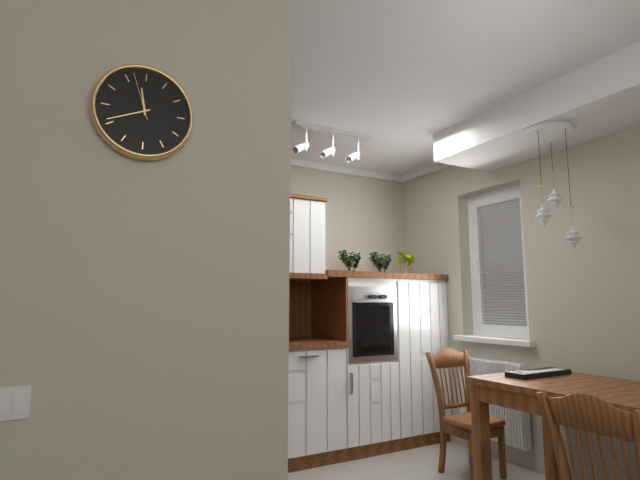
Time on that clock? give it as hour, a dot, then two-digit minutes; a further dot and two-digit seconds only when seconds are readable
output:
11.41.57
